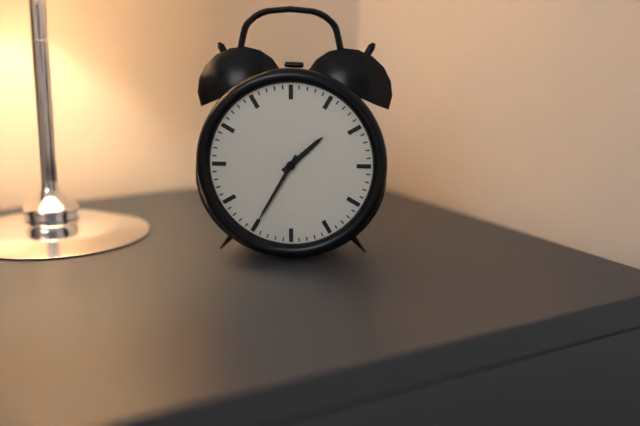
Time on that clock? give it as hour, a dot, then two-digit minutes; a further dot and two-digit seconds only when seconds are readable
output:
1.35
